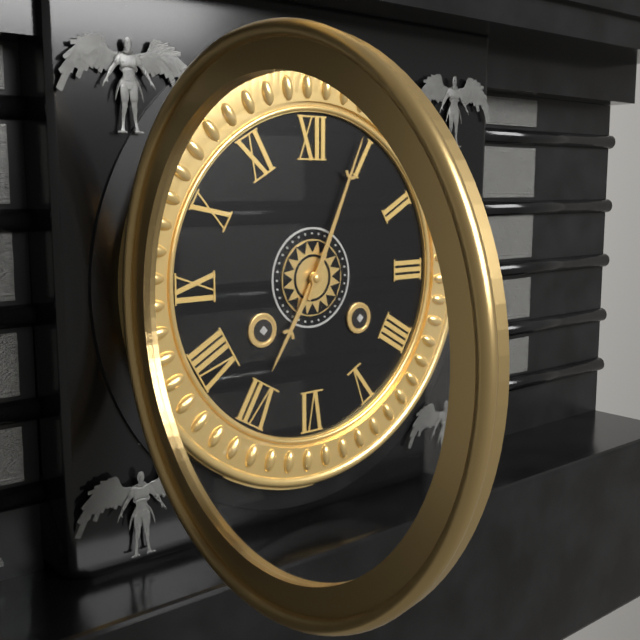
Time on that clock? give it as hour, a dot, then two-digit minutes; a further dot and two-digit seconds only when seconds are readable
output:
7.04
